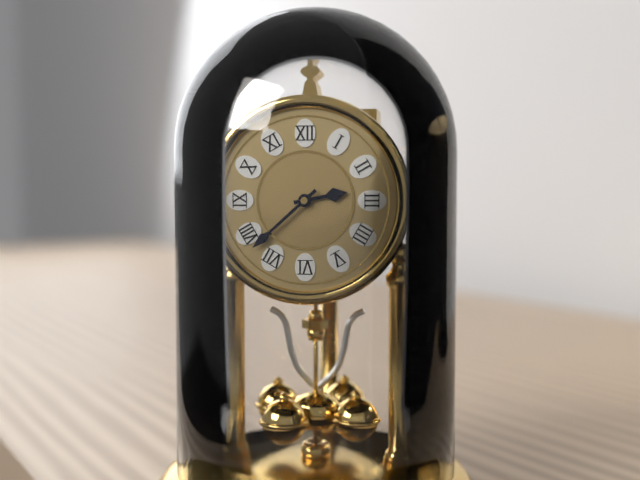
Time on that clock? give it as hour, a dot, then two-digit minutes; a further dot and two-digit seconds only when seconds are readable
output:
2.38
